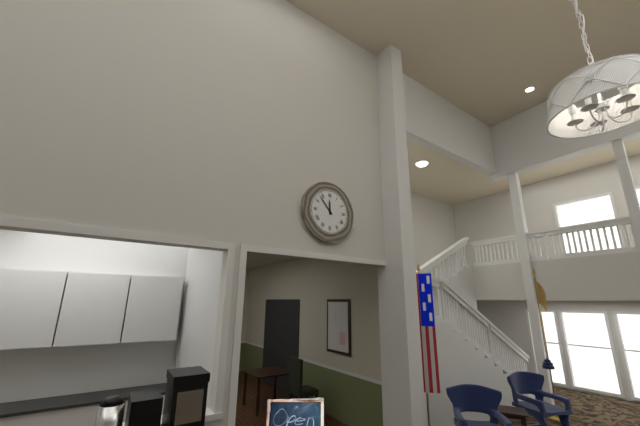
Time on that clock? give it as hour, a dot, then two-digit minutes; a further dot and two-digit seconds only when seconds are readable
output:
11.53
